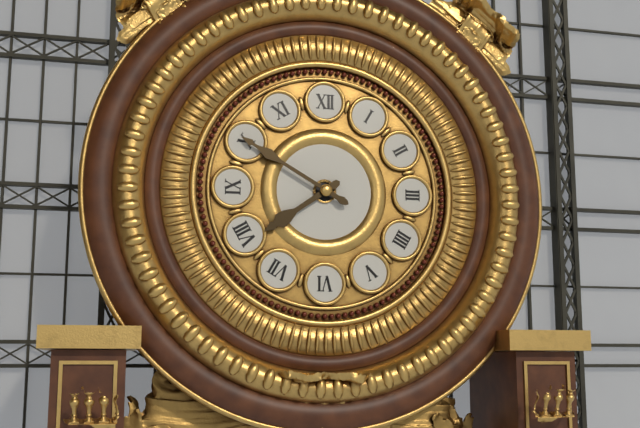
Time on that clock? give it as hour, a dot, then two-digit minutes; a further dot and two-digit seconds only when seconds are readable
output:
7.50
